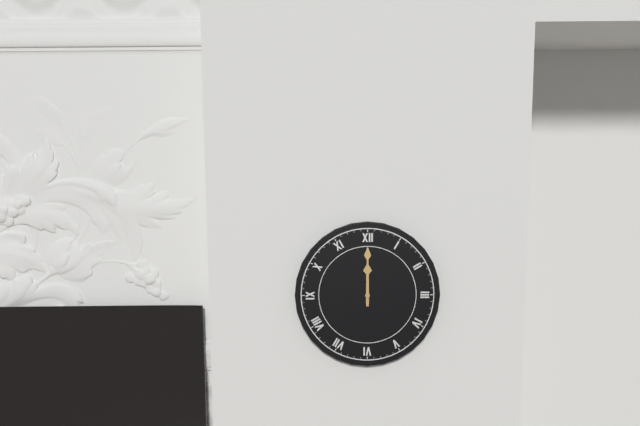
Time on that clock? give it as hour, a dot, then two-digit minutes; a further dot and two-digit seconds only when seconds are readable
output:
12.00
